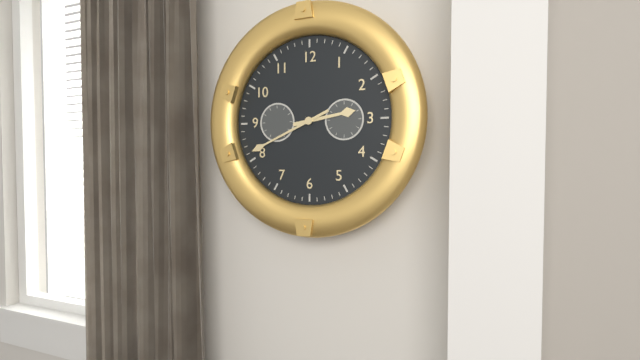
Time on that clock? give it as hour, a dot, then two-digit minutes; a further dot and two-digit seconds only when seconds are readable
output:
2.41
